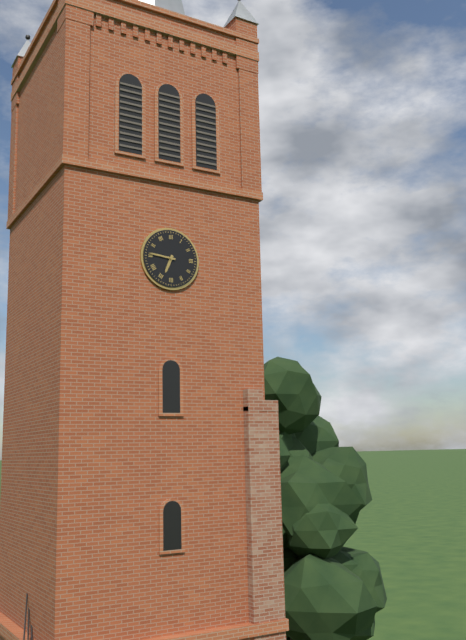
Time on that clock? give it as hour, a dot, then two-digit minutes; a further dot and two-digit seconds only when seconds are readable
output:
6.46
